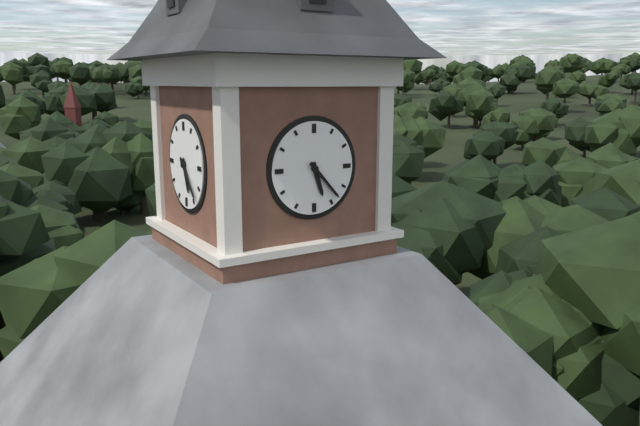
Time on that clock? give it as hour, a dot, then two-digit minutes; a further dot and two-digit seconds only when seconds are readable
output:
5.23
